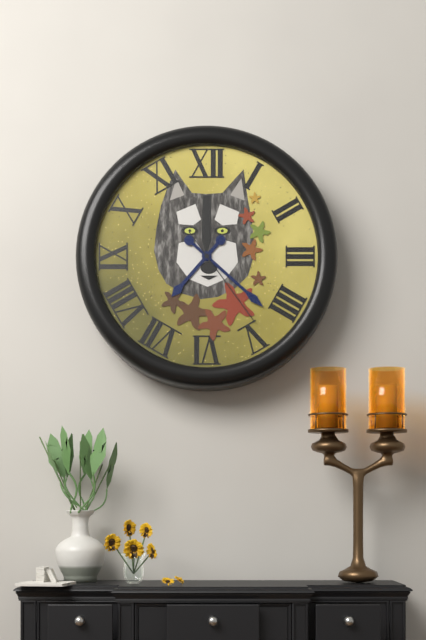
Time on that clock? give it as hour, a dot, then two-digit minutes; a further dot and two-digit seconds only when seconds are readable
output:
7.22.24
